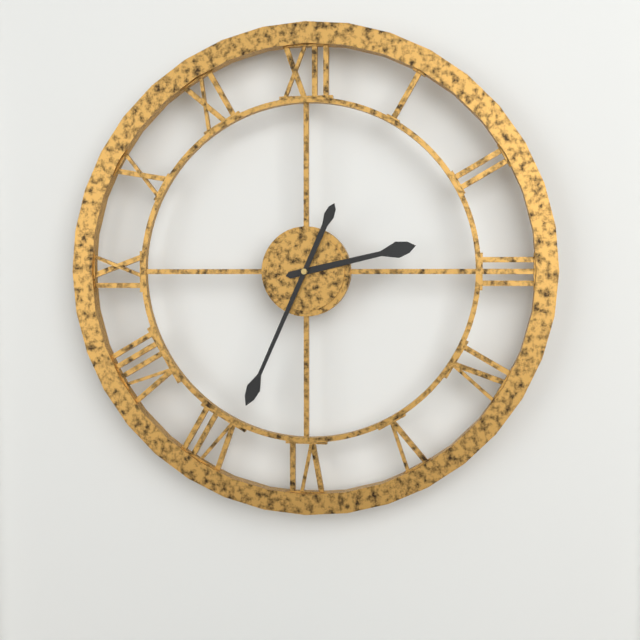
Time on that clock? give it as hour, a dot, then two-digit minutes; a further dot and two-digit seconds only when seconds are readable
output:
2.34
